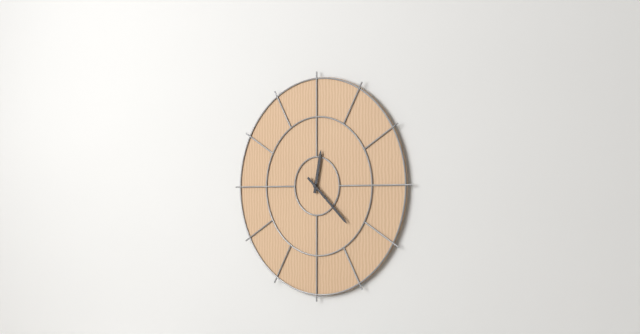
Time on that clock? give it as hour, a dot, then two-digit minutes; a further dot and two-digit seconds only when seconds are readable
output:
12.22
